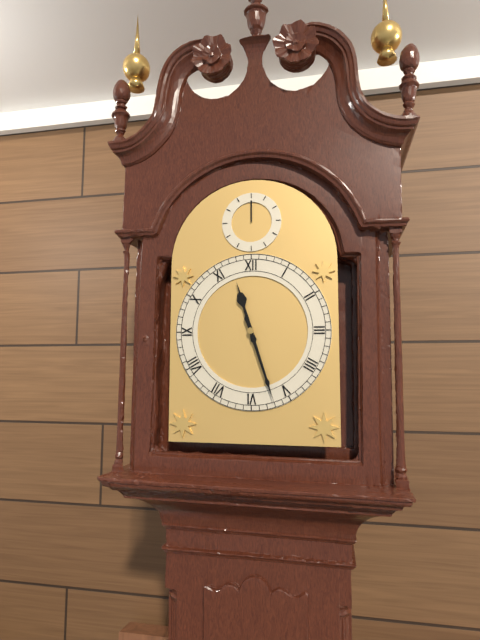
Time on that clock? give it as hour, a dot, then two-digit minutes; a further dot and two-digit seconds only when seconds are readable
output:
11.27
